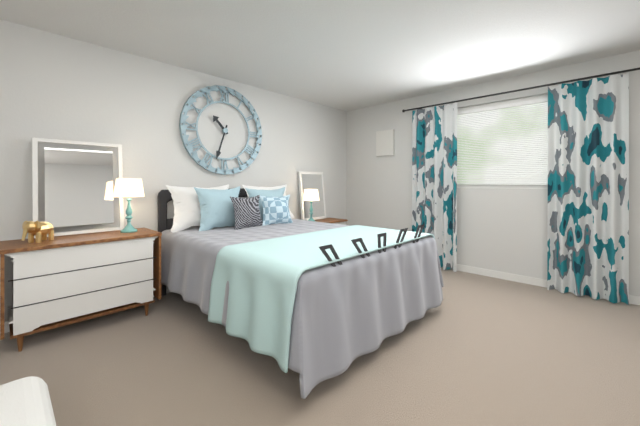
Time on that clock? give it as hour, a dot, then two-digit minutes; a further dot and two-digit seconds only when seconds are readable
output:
10.33
